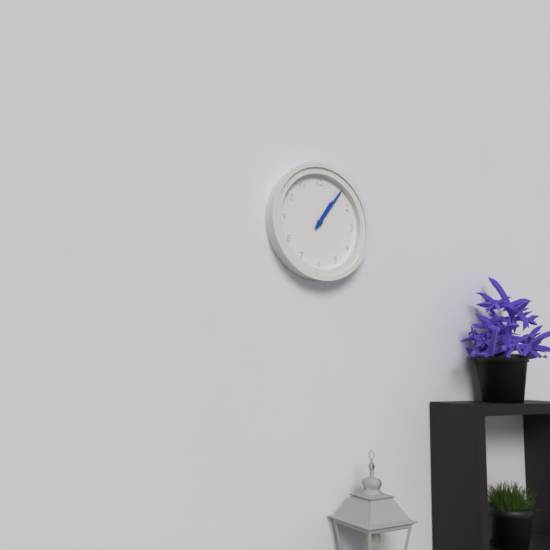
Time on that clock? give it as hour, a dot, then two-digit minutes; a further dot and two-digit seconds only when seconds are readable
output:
1.06
